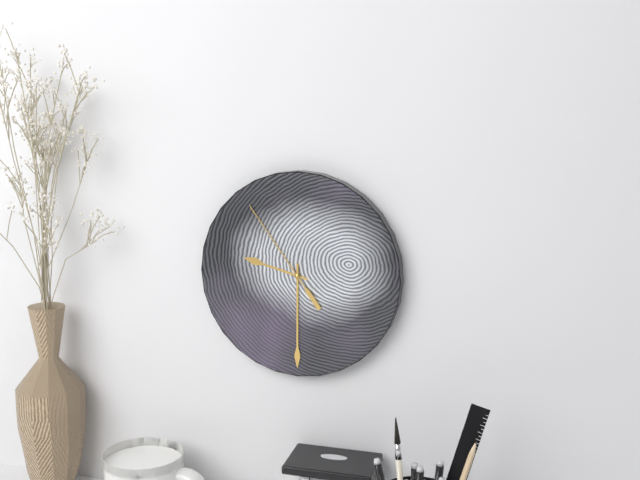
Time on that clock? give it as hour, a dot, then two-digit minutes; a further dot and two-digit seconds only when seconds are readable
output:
9.30.54
